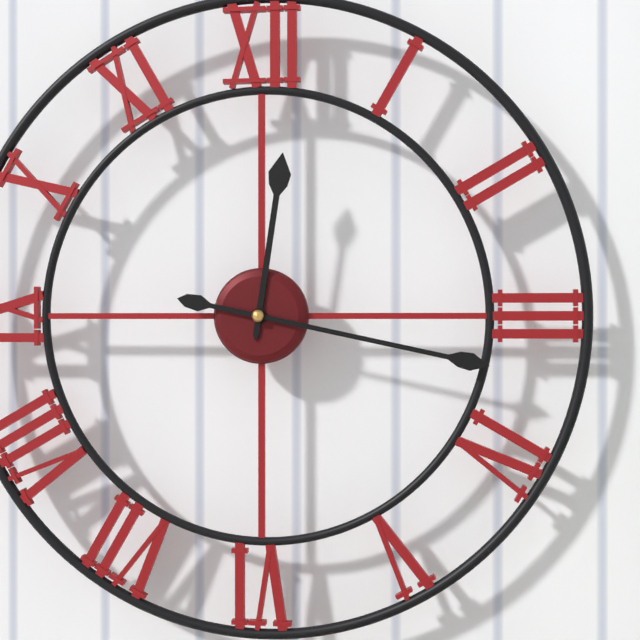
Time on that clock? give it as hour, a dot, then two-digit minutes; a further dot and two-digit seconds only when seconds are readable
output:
12.17
